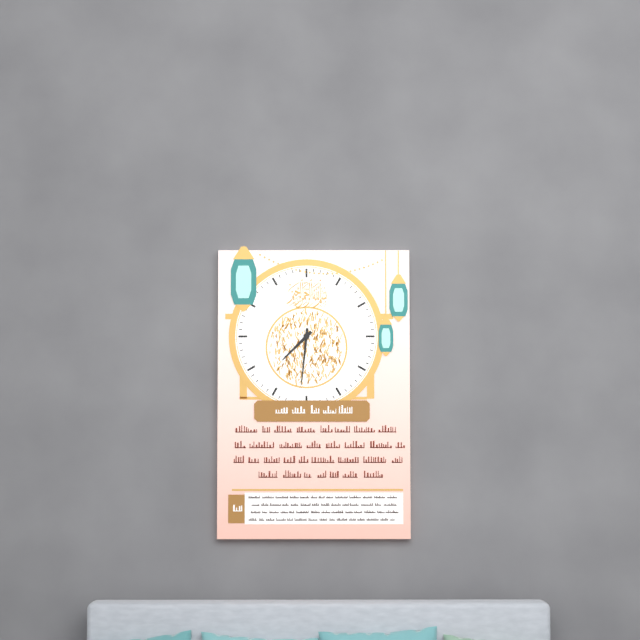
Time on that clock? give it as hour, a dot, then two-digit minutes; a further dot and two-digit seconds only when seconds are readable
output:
7.31
